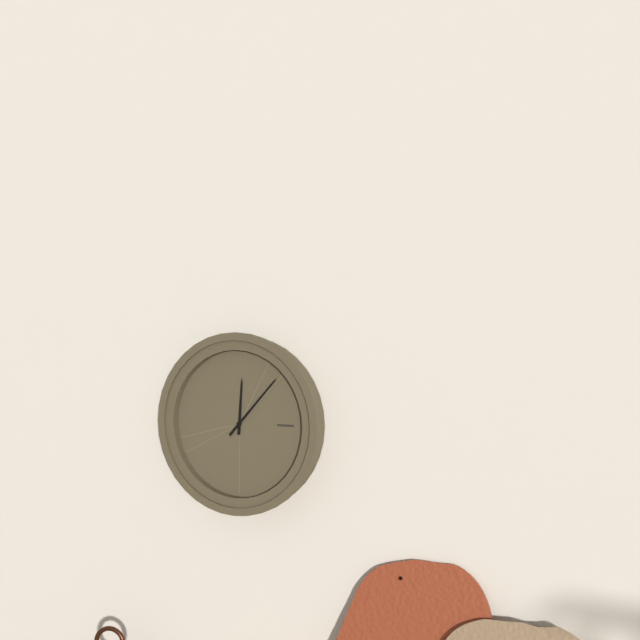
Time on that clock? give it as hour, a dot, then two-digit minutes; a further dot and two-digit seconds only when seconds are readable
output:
12.07
